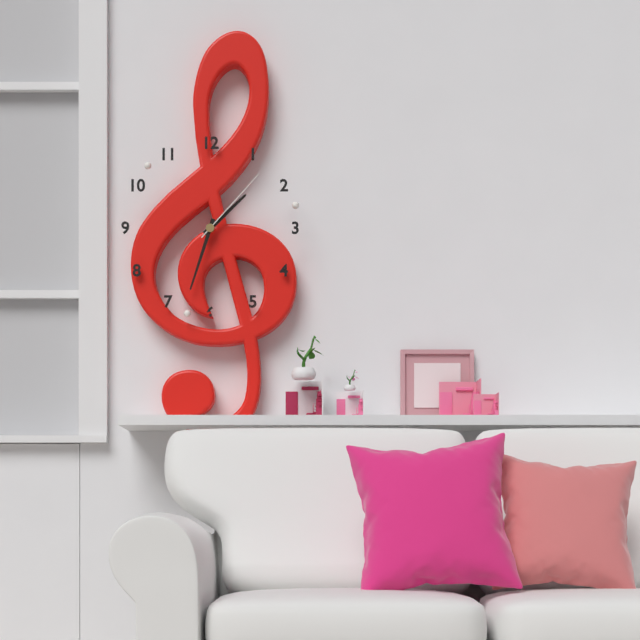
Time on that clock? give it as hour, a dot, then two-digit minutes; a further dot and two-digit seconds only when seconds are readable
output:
1.33.07
